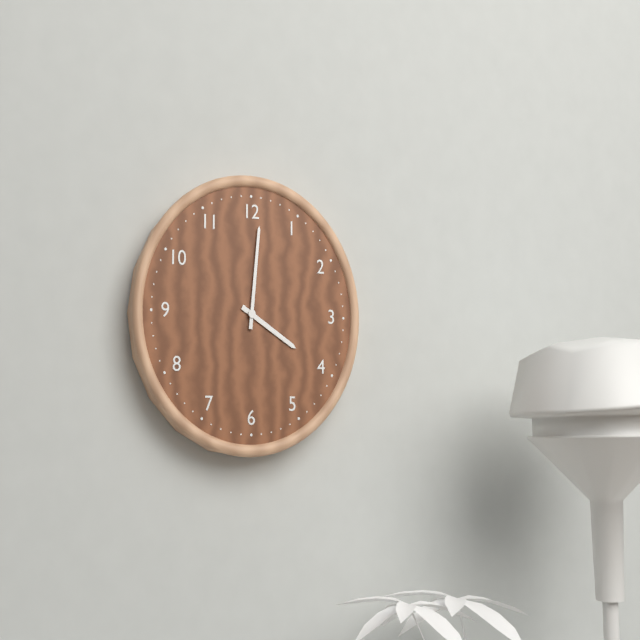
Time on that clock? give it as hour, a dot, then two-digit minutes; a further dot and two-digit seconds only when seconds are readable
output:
4.01
